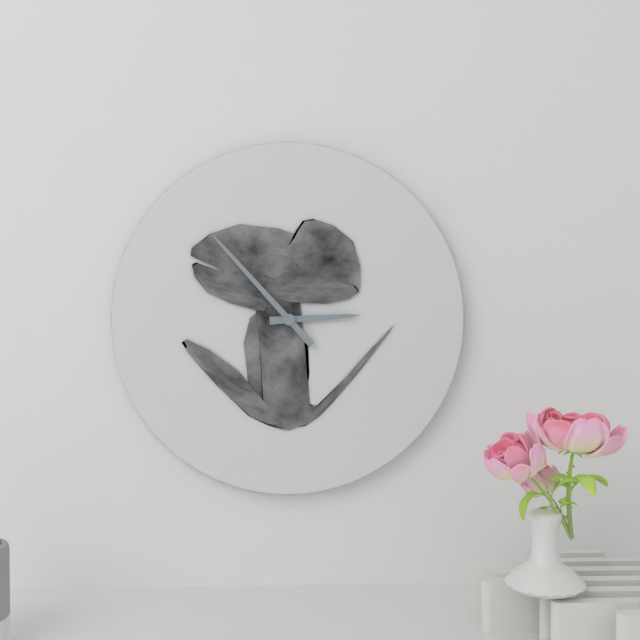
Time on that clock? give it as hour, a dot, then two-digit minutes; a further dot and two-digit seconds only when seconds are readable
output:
2.53
